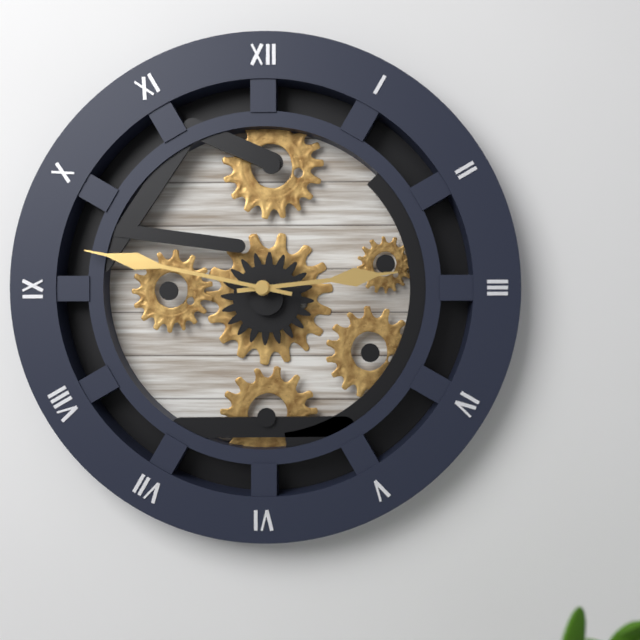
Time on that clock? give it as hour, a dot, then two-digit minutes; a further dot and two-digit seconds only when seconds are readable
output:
2.47
